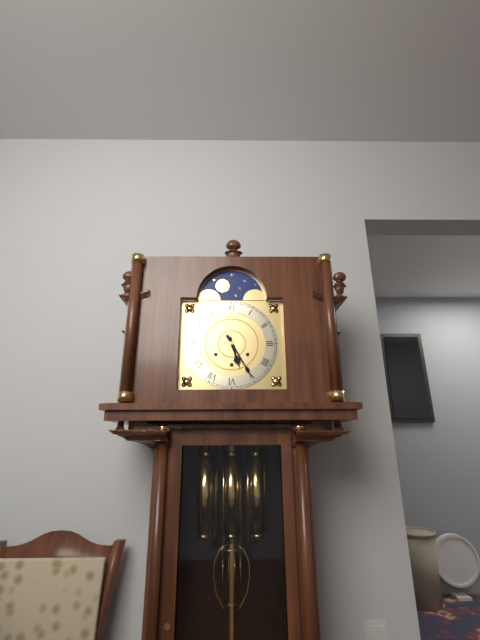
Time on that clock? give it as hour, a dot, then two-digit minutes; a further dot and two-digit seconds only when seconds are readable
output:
5.25
